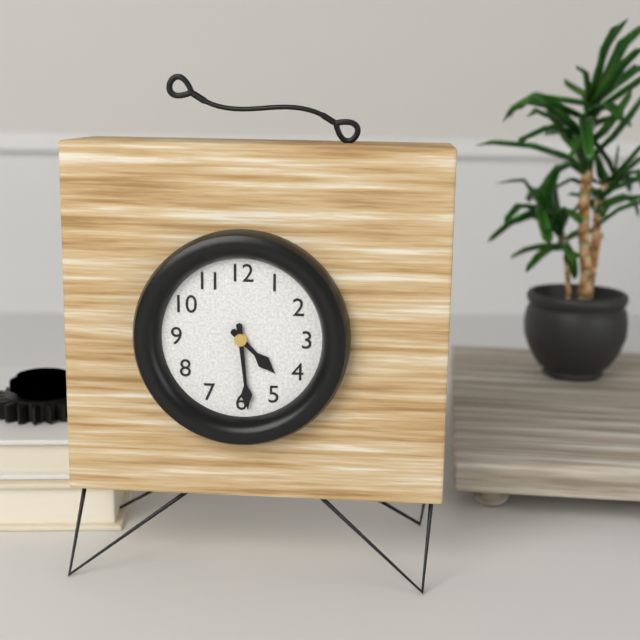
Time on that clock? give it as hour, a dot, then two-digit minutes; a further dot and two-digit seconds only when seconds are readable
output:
4.29
